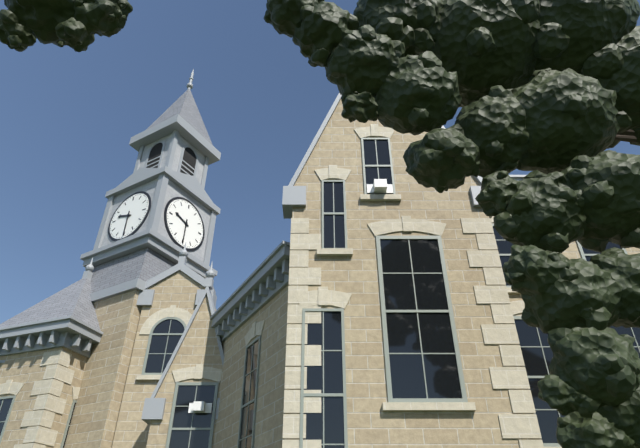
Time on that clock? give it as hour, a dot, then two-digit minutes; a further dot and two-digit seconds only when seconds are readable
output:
9.30
